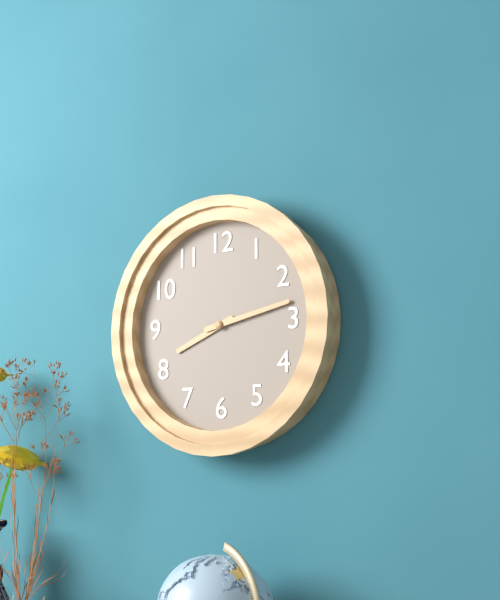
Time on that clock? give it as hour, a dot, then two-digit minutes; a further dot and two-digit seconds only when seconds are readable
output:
8.13
